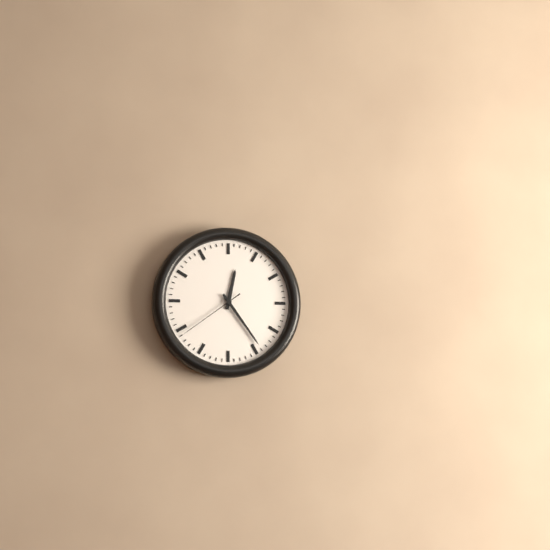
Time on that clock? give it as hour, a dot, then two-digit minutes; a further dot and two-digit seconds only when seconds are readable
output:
12.24.39
